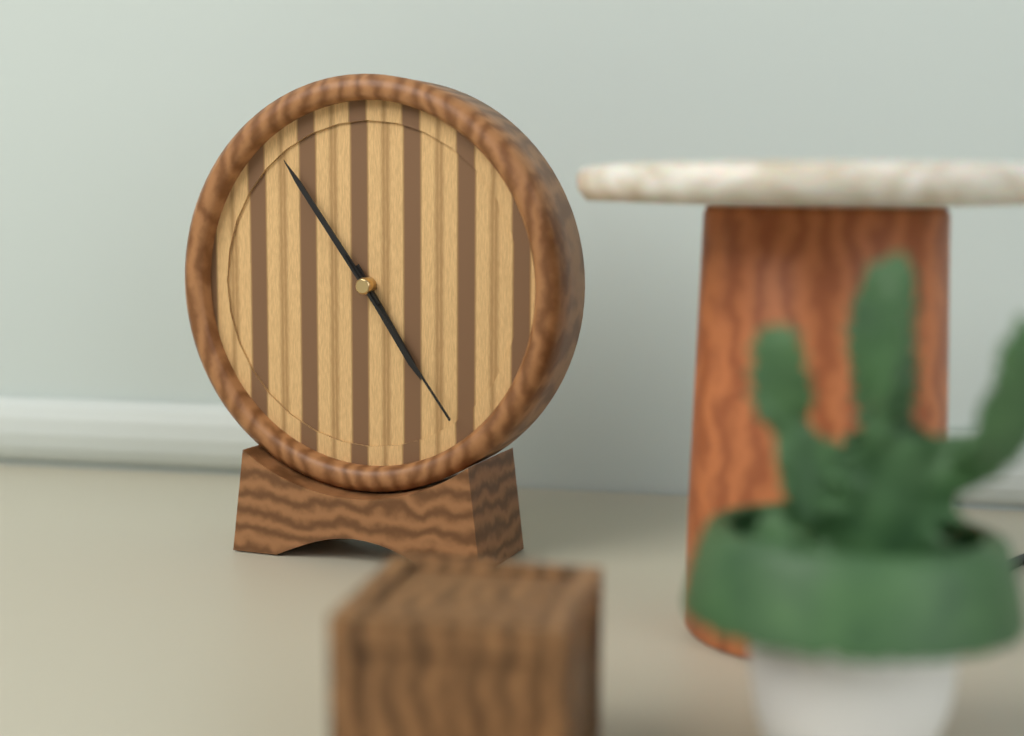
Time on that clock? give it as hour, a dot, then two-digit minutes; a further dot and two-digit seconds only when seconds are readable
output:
4.54.24
